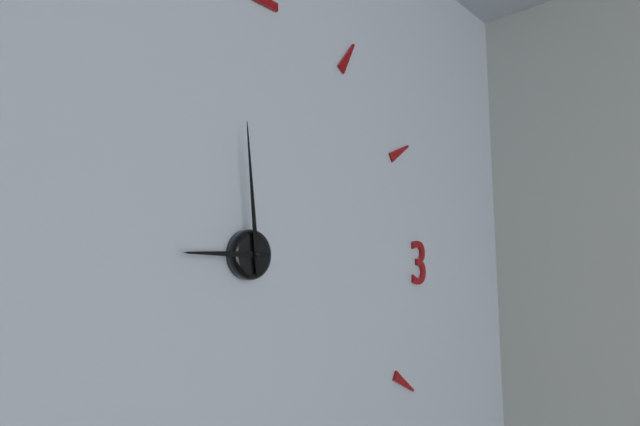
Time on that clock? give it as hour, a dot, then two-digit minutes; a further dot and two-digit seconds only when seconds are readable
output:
8.59
